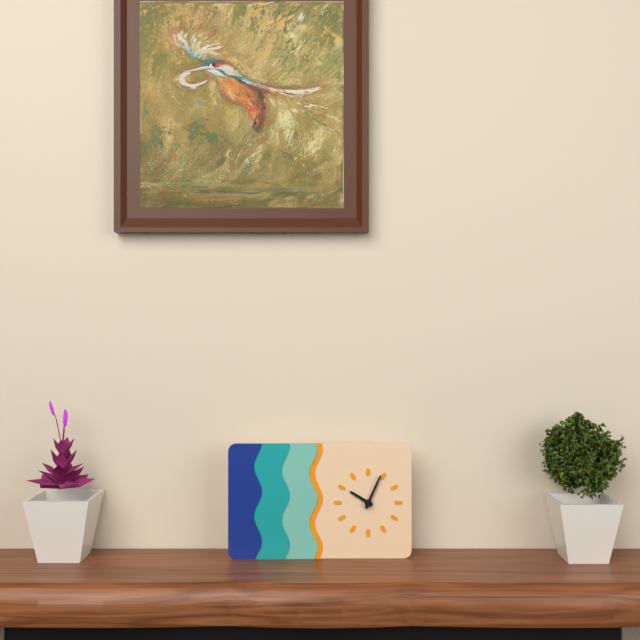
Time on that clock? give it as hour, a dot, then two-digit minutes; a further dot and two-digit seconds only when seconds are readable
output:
10.04
